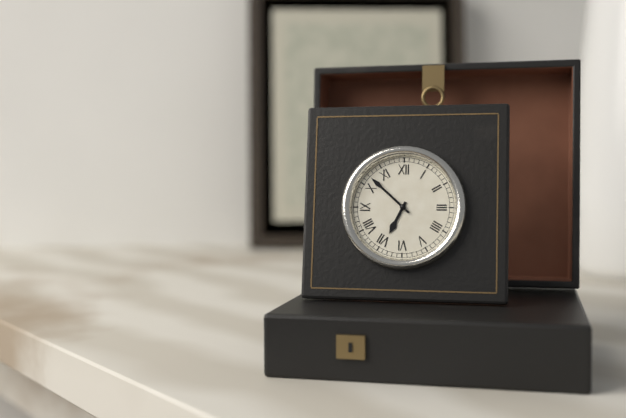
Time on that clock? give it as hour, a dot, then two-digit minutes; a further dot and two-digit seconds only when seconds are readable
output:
6.52
